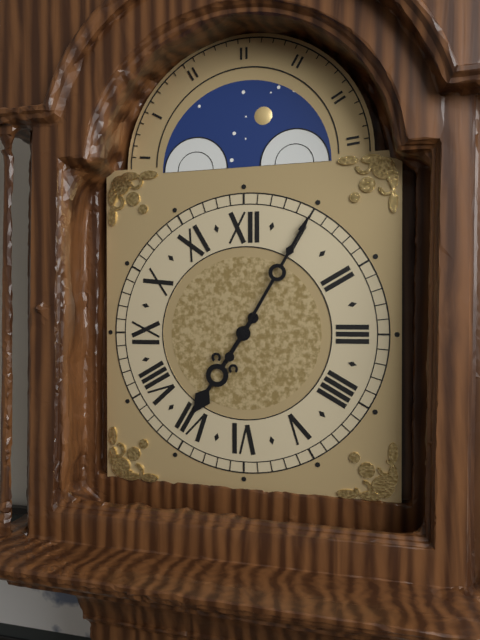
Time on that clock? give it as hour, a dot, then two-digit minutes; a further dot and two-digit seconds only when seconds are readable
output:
7.05
